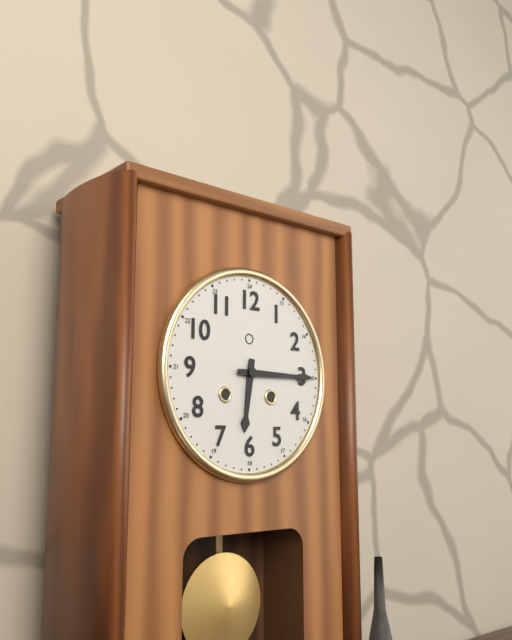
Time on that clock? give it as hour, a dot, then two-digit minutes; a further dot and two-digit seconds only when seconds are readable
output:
6.15
